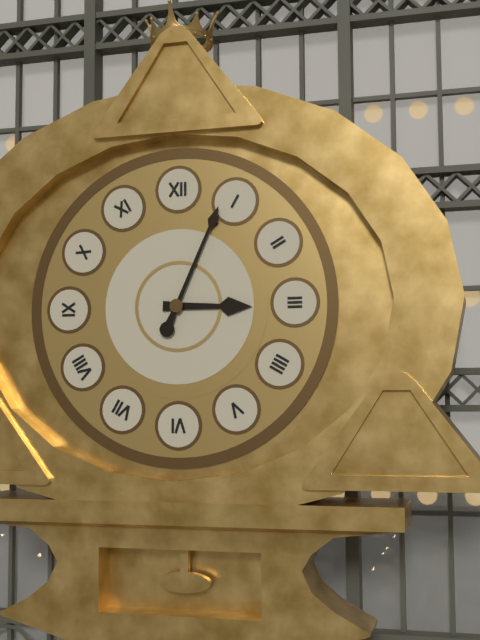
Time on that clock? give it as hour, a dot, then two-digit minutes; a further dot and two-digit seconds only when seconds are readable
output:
3.04
